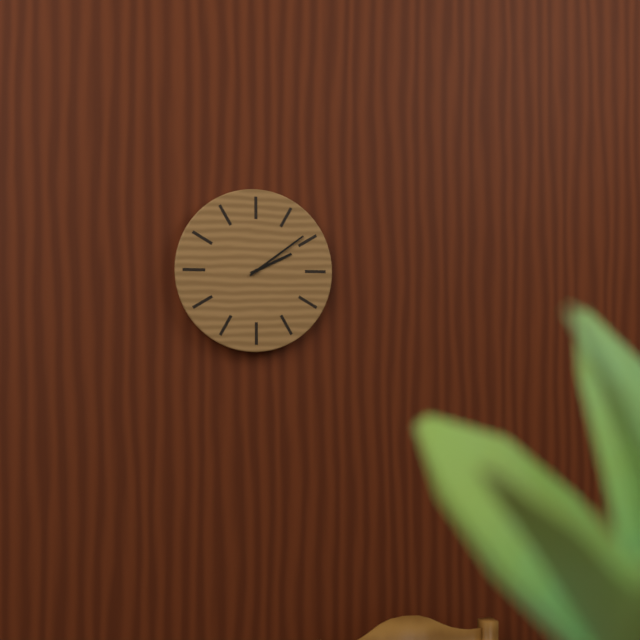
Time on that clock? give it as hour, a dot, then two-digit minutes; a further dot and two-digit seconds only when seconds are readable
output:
2.09
